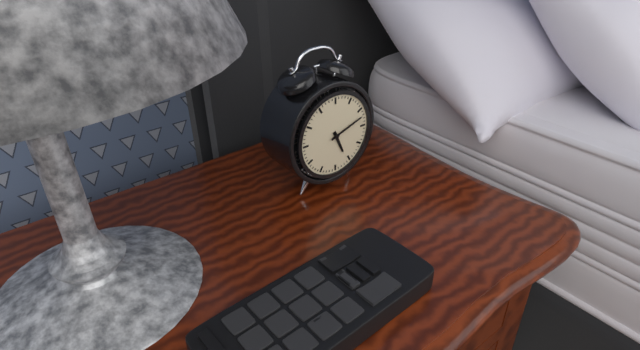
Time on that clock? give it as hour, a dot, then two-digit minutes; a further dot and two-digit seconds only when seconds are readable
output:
5.12
